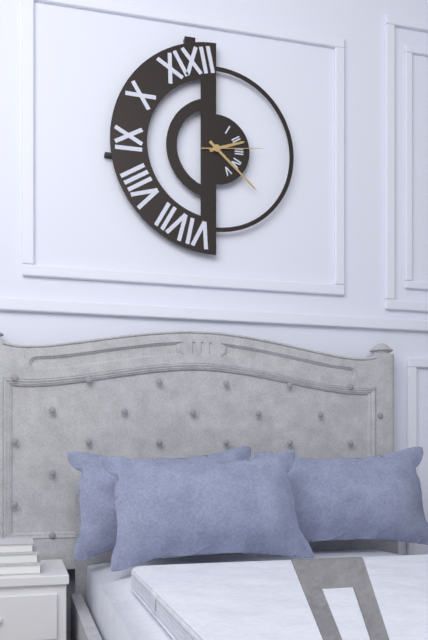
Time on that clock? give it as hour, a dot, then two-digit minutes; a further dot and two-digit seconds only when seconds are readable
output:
2.22.14
